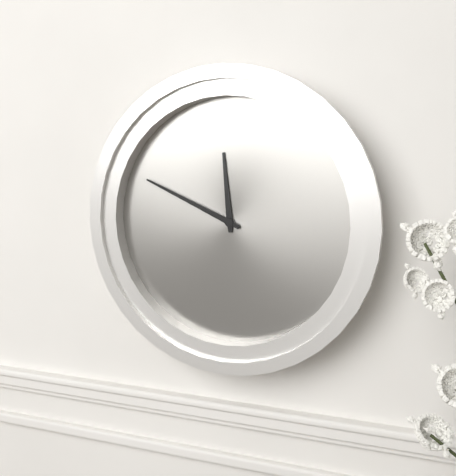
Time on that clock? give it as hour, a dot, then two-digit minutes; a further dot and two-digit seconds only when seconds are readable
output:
11.49
